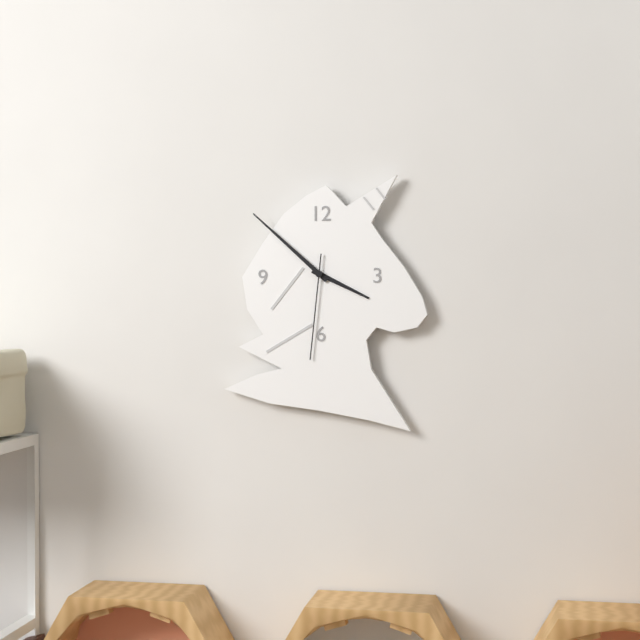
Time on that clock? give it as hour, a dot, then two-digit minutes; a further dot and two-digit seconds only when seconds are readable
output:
3.52.31
